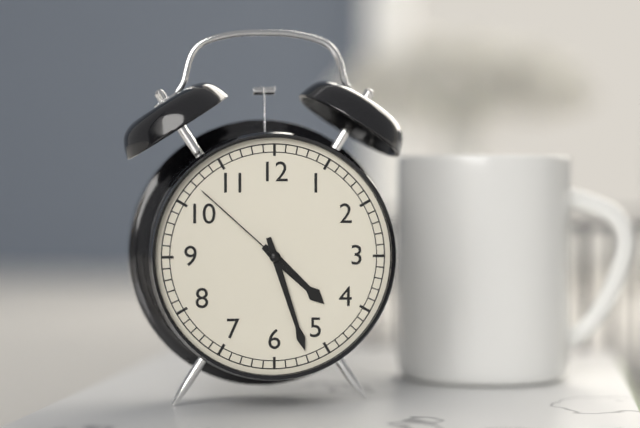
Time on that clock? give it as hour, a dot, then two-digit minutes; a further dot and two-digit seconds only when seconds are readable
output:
4.27.52
